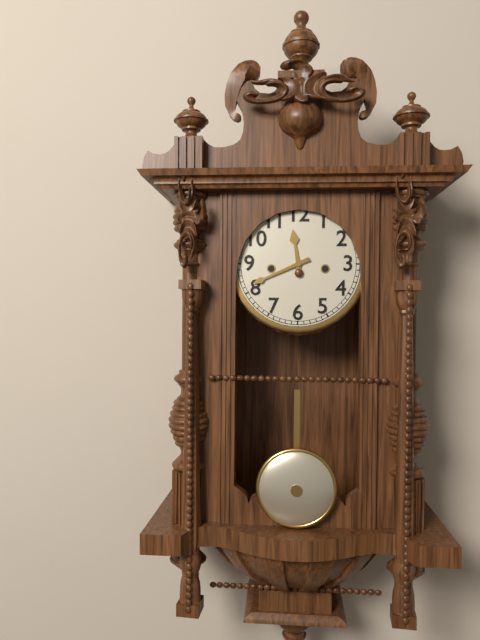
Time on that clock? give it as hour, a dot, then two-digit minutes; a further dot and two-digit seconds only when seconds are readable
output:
11.41
